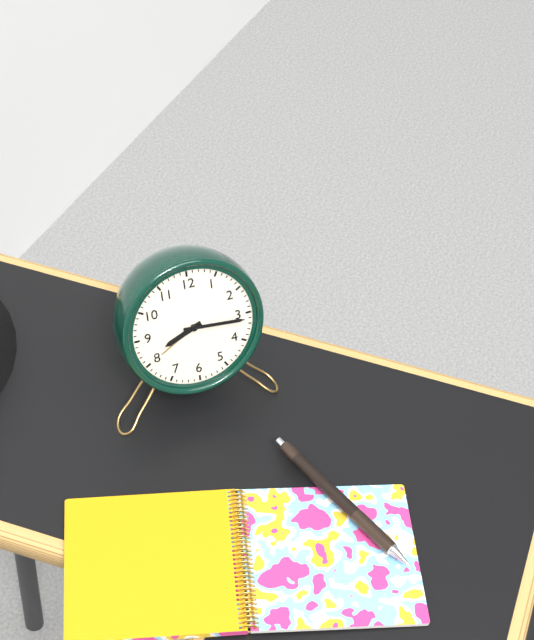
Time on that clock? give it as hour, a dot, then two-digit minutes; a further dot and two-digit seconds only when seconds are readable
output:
8.16
